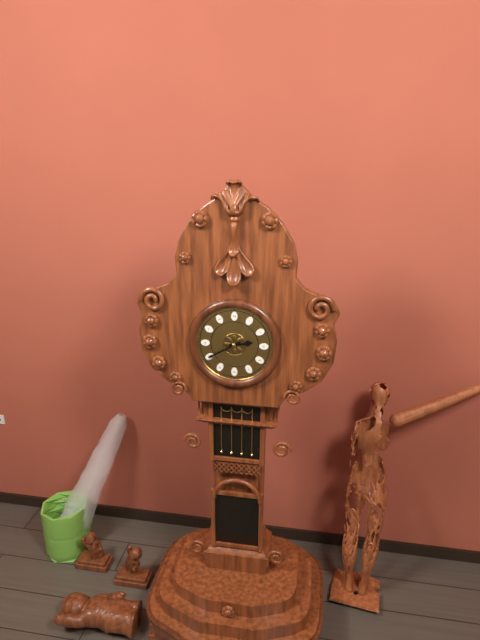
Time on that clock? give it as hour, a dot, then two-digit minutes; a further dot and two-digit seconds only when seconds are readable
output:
2.40
